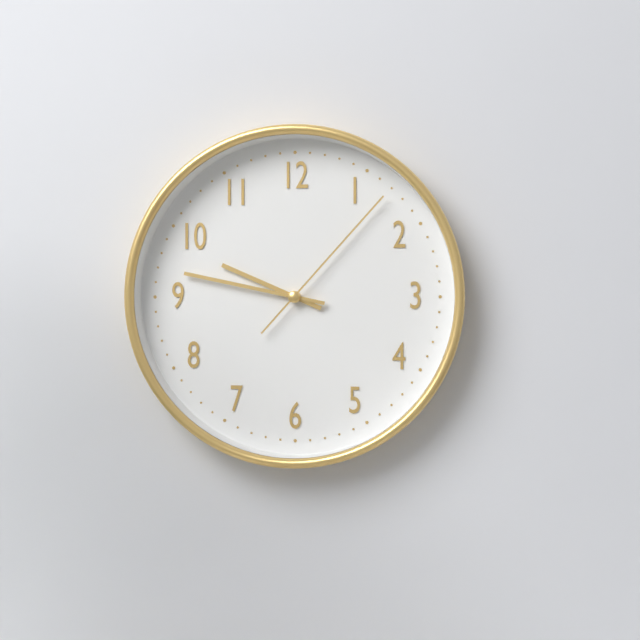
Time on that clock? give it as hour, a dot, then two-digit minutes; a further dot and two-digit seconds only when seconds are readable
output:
9.47.07
